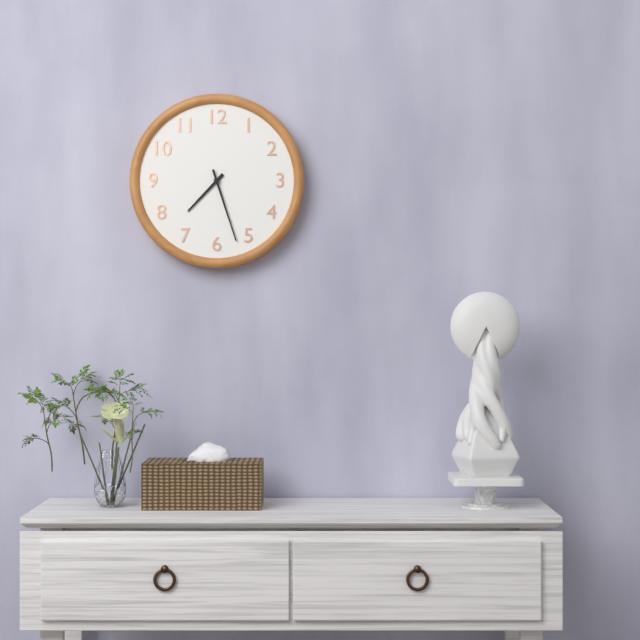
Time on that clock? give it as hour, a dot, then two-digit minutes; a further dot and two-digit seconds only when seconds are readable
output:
7.27
